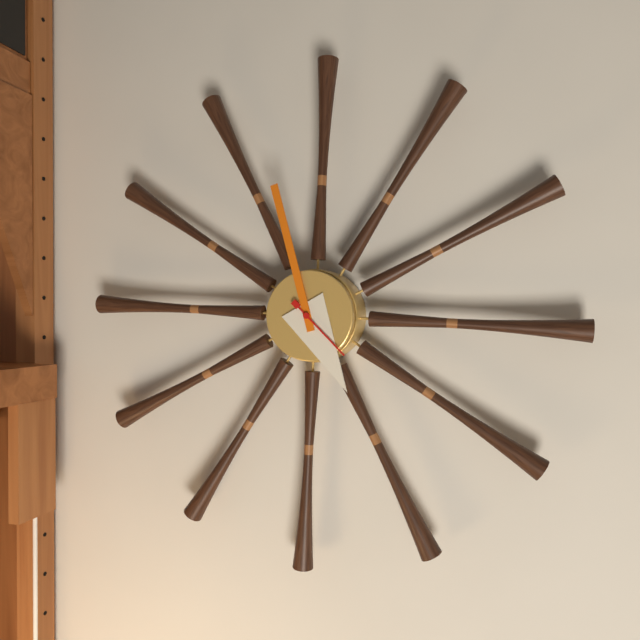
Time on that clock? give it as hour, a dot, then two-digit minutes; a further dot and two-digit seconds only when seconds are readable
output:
4.57.22
